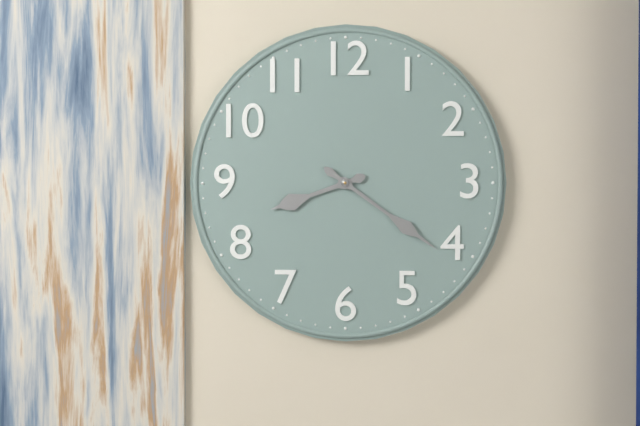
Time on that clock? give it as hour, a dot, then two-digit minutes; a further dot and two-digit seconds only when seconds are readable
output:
8.21
